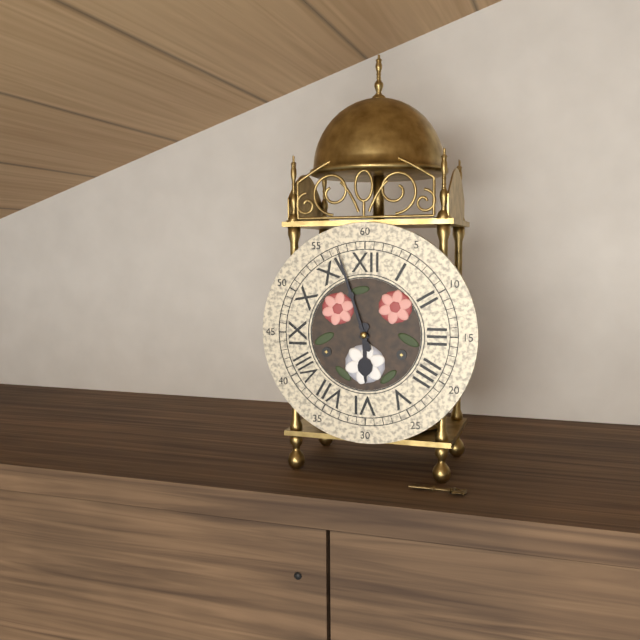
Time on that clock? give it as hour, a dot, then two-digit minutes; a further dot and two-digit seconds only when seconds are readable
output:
5.57
